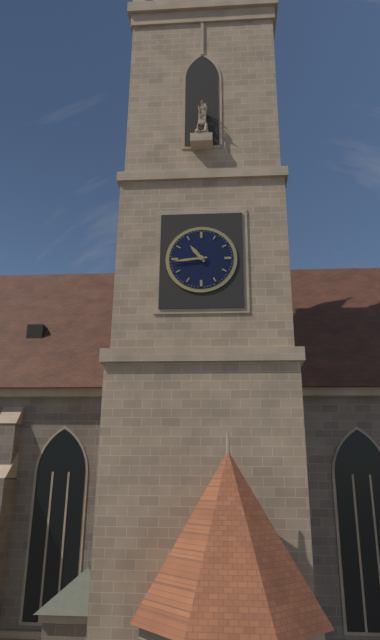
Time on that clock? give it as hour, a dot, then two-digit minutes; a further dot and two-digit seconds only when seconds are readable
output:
10.44
